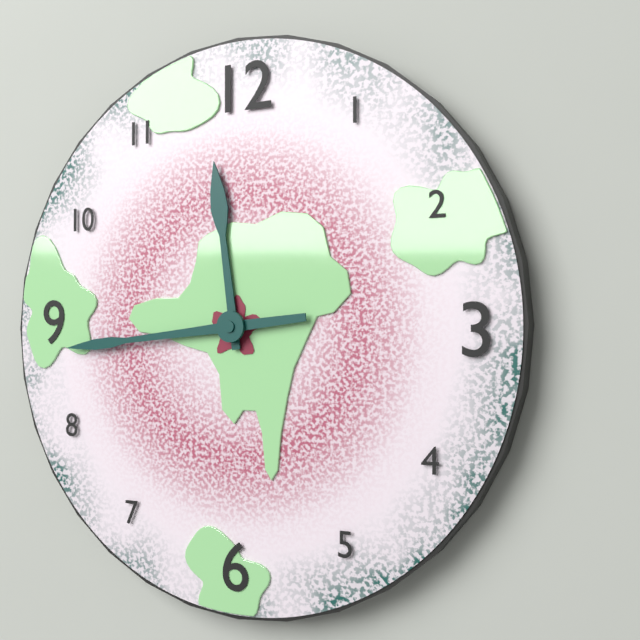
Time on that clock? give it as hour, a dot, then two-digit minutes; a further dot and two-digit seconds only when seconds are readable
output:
11.44
